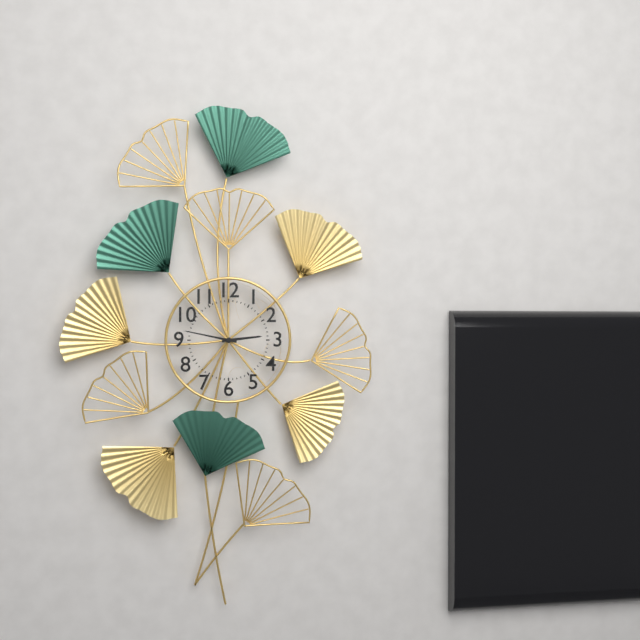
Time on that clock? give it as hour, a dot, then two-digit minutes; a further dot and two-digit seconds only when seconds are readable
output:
2.47
